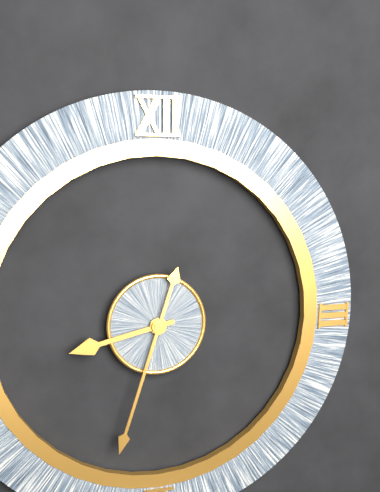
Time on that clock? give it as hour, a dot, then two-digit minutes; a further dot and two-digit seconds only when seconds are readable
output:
8.33
